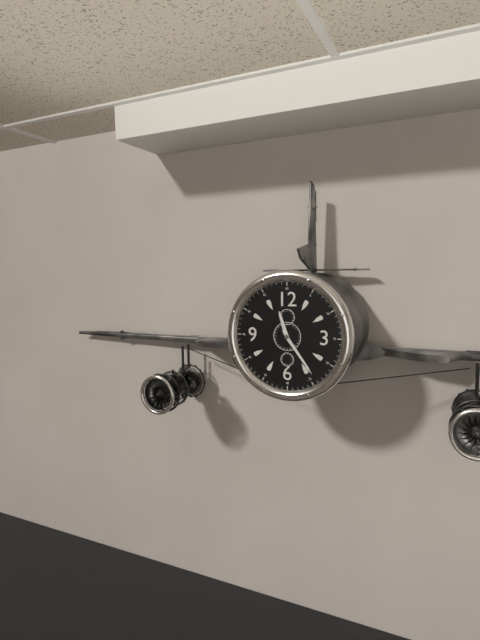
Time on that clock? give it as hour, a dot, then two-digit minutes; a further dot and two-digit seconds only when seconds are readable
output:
11.24
